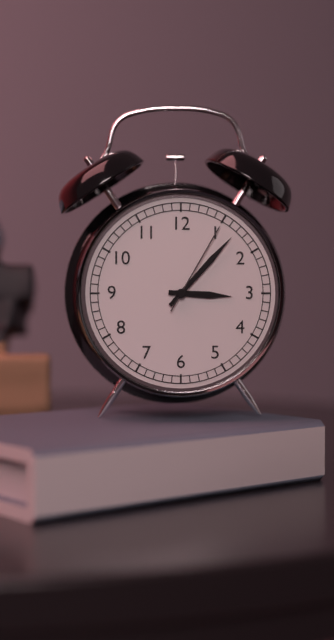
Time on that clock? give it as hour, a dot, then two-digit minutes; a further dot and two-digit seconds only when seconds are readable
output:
3.07.05
